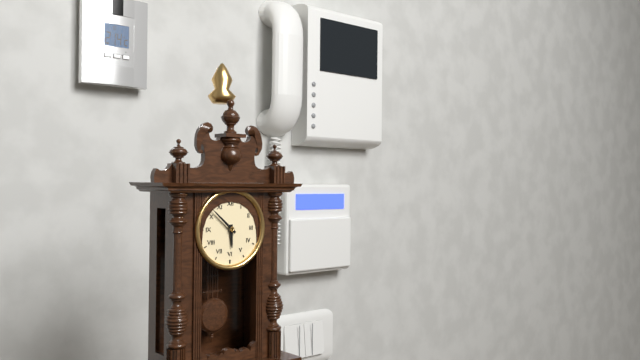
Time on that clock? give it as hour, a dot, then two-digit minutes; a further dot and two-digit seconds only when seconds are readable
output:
5.52
